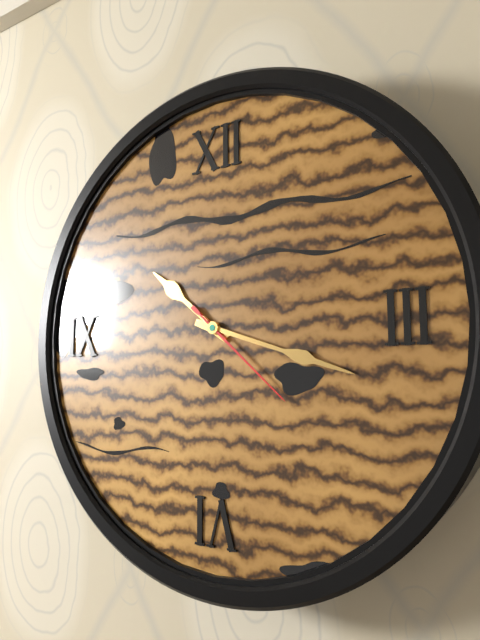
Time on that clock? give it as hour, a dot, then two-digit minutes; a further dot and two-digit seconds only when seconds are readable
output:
10.18.22
